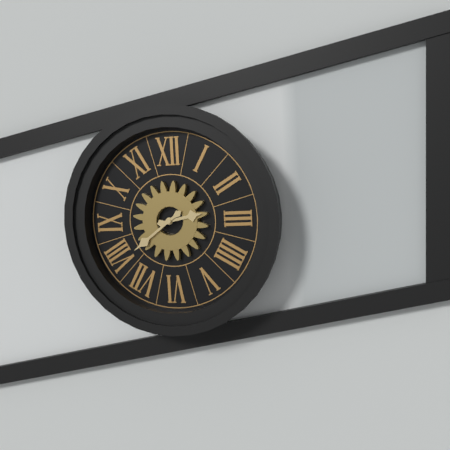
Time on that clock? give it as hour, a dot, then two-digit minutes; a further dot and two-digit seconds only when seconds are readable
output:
2.39
